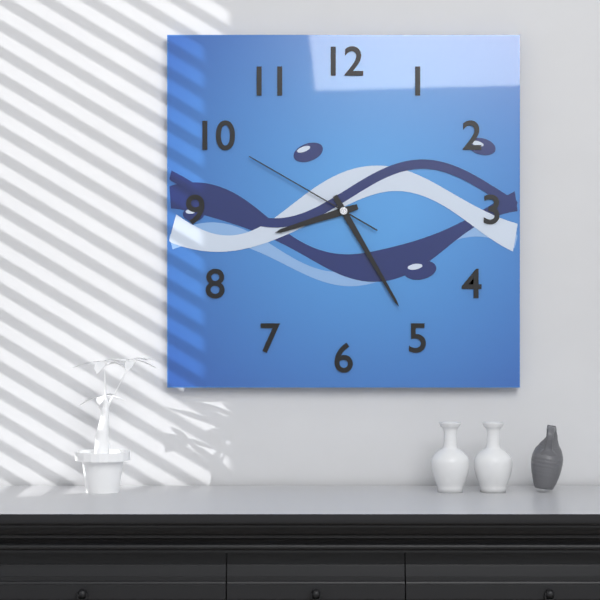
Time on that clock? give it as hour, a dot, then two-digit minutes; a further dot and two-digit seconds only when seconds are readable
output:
8.25.50
